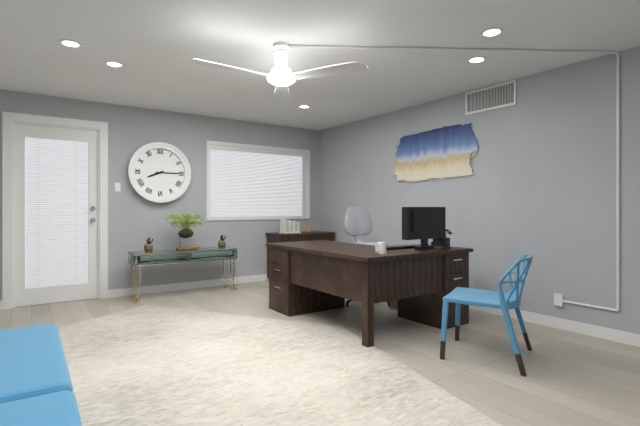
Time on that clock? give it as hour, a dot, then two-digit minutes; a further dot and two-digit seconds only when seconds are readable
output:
8.15
